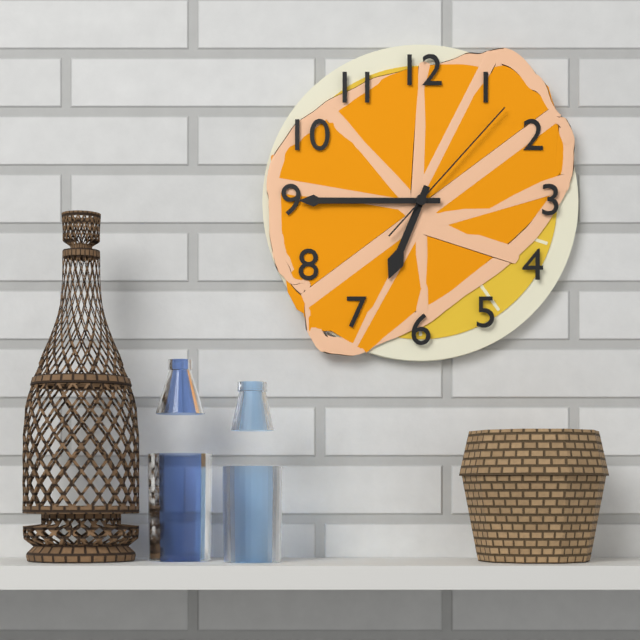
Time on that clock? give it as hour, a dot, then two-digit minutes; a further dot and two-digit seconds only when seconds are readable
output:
6.45.07
